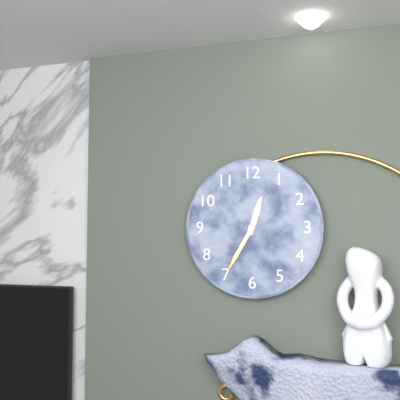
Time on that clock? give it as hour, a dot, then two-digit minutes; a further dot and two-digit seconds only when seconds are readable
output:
12.35
